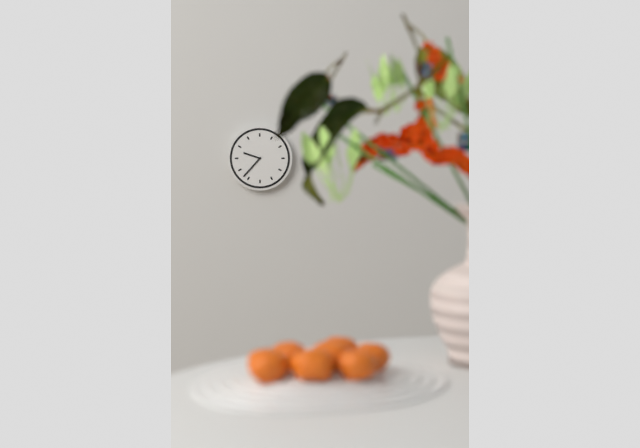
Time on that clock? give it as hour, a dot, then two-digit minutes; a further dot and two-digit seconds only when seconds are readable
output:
9.37
